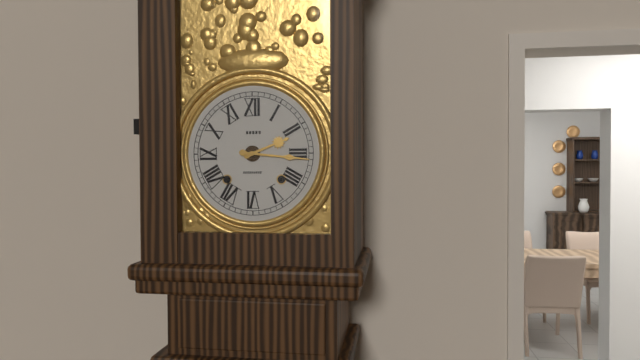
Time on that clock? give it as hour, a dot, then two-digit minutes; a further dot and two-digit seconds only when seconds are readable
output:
2.16
